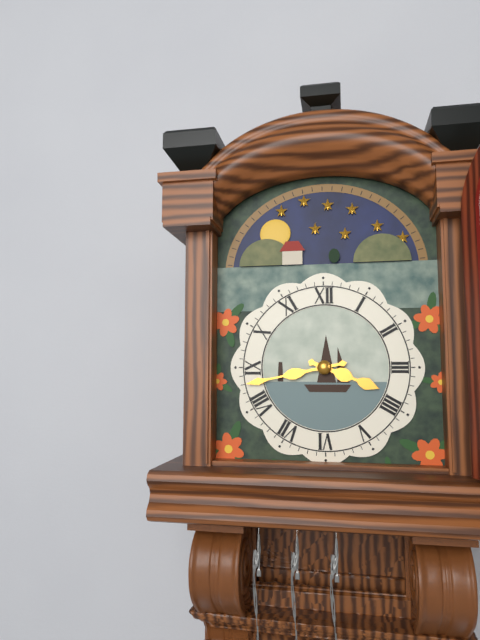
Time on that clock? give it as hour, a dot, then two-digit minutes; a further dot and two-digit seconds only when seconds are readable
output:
3.43
